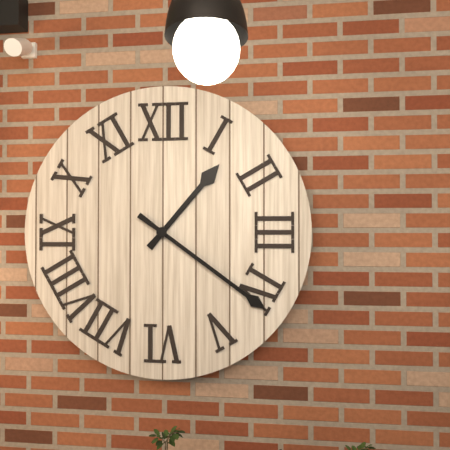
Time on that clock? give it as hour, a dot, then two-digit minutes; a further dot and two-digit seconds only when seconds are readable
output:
1.21
